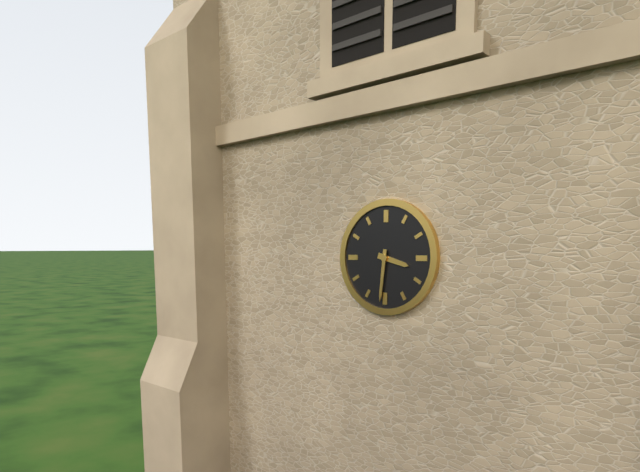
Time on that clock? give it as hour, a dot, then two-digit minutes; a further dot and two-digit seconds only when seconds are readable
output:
3.31
